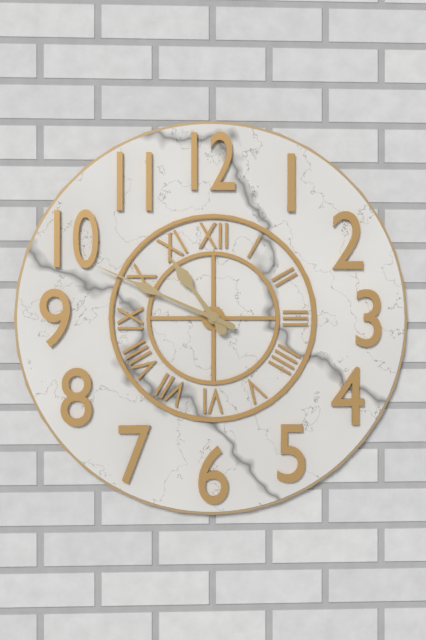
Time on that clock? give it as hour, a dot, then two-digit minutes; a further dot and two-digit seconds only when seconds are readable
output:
10.49
